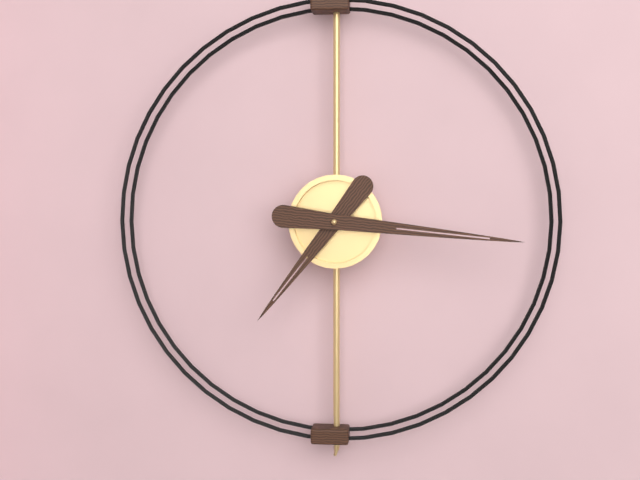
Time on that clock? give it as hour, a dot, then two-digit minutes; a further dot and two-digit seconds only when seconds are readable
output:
7.16
